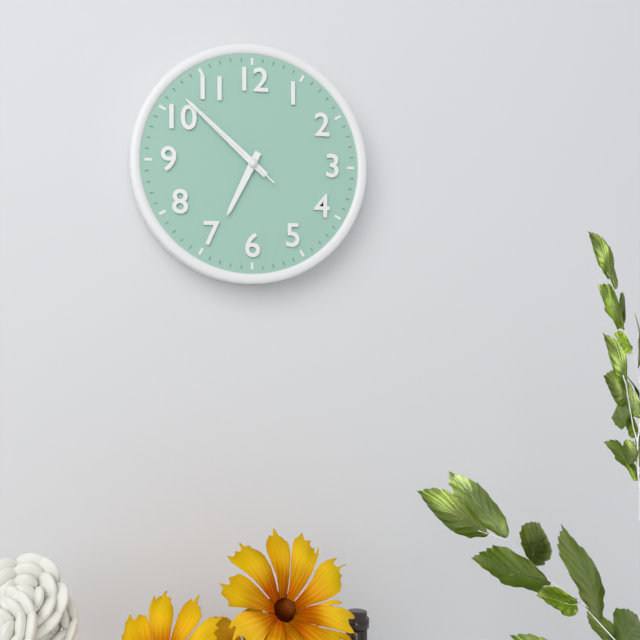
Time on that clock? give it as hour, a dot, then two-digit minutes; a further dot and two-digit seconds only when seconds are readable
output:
6.52.52
